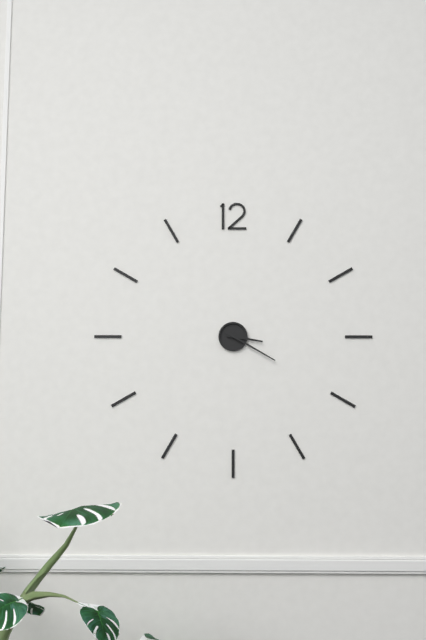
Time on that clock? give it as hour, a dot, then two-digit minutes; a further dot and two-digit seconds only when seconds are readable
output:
3.20
